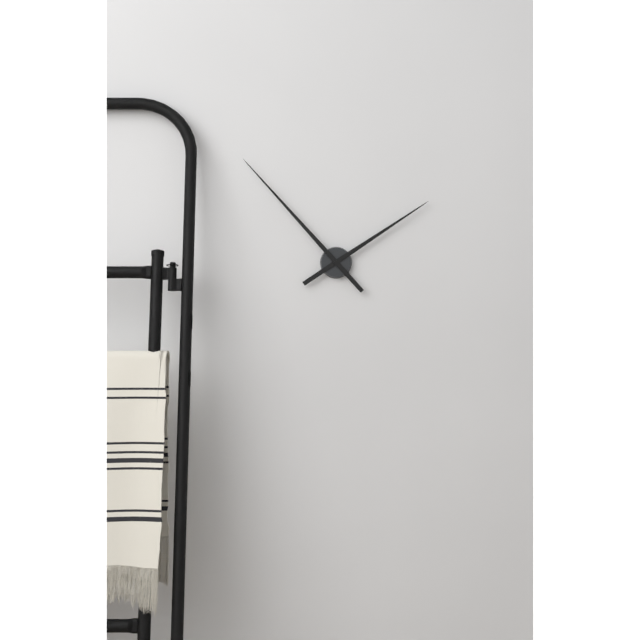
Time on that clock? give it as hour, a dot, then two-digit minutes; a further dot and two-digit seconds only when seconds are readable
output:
1.53
